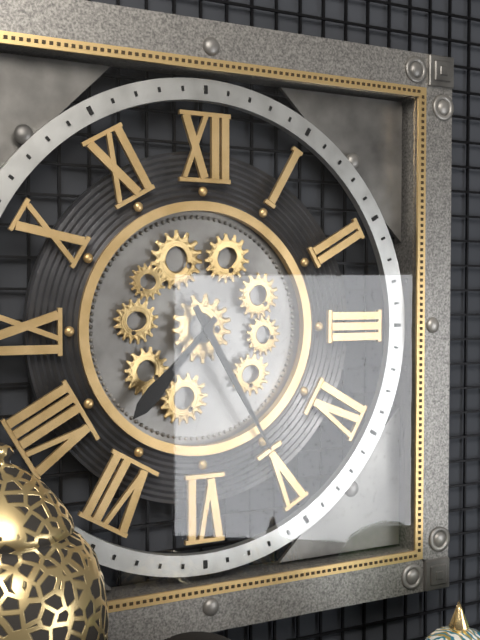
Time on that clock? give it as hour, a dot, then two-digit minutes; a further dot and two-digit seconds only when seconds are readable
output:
7.25
